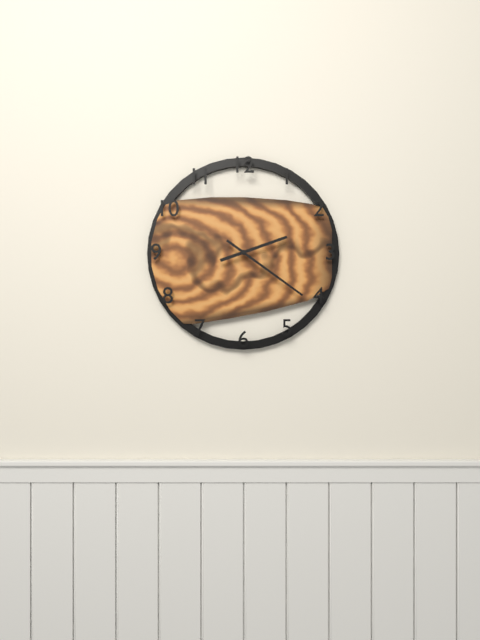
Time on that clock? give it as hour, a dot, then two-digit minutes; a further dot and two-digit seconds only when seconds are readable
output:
2.21
